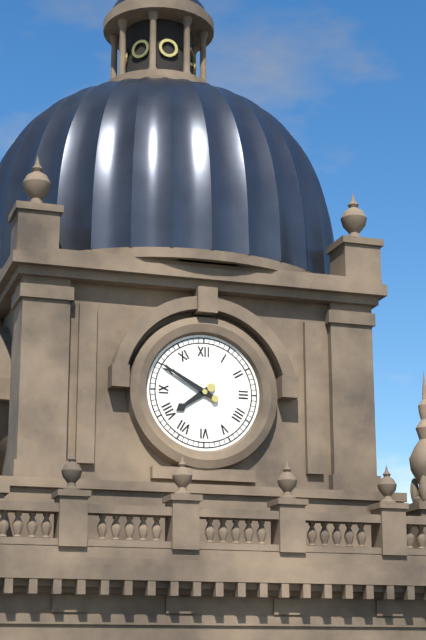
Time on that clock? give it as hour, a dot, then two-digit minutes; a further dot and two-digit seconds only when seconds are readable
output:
7.50
